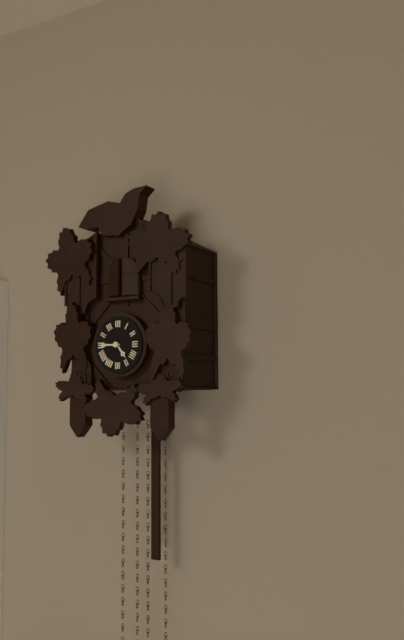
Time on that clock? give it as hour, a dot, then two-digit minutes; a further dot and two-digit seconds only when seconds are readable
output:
4.45
